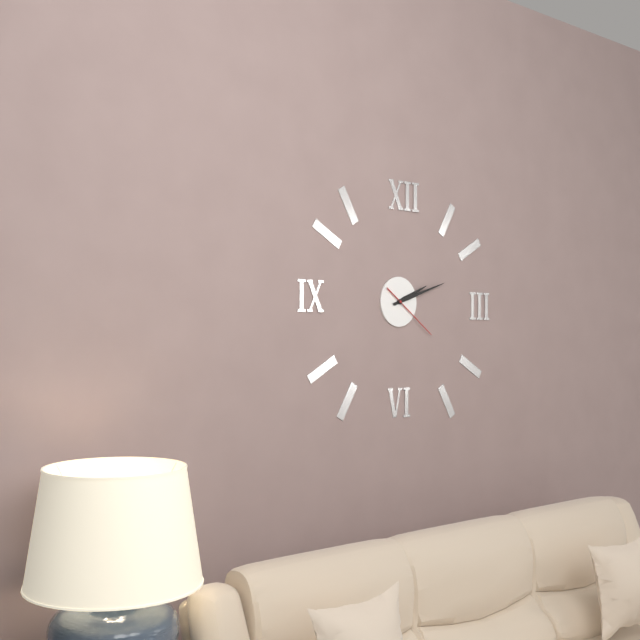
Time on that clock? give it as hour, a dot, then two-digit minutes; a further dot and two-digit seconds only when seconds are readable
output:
2.12.21
